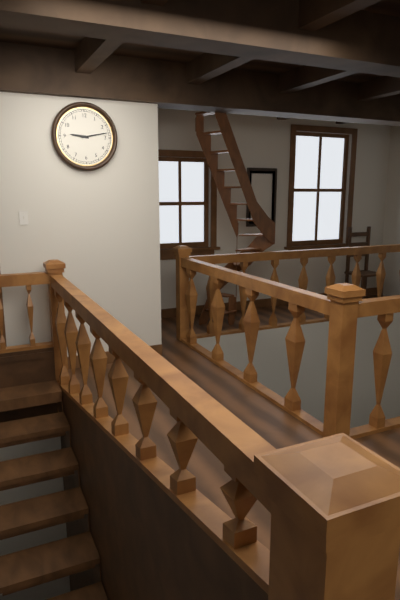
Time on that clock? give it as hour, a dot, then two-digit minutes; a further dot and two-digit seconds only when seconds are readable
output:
9.13
